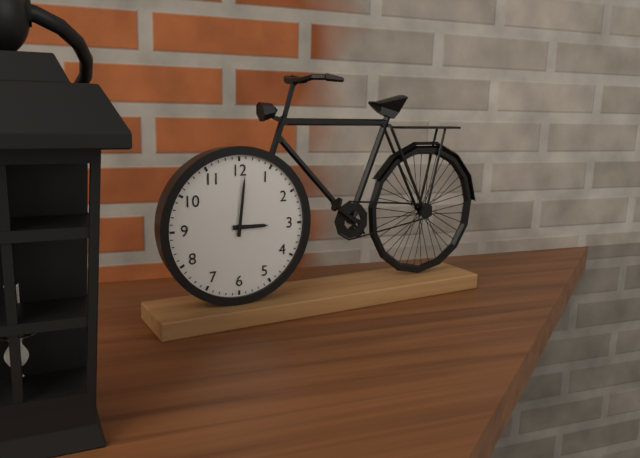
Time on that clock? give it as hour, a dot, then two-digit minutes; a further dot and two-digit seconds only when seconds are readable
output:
3.01
